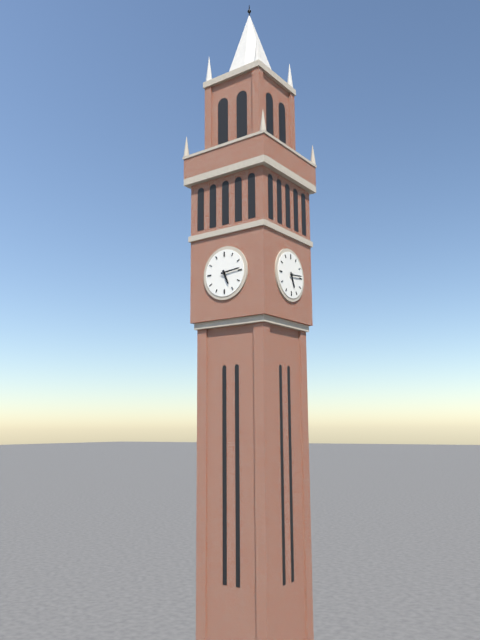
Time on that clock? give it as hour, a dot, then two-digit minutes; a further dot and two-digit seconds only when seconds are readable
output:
5.14
